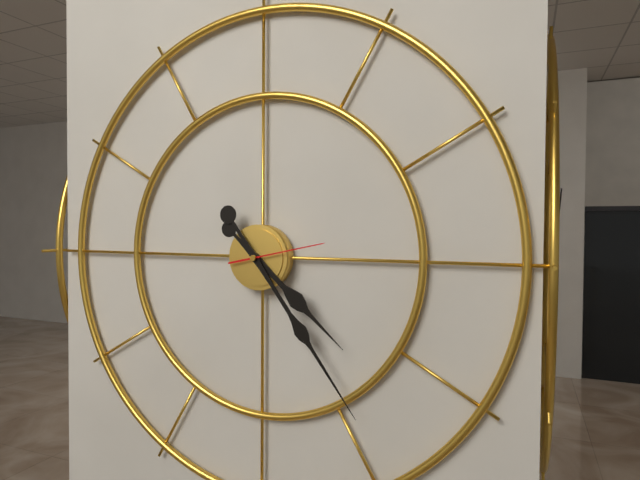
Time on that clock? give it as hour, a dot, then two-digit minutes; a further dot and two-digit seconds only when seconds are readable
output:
4.24.13
